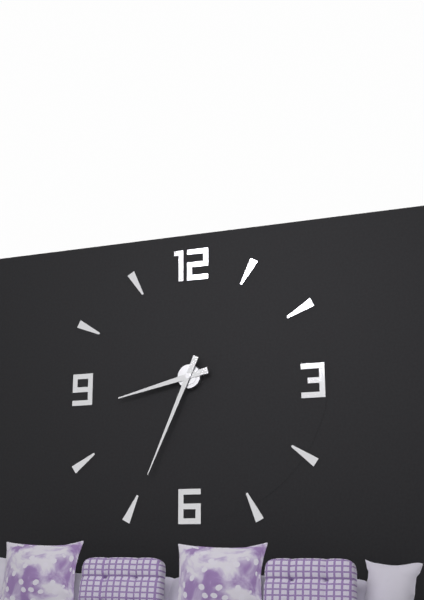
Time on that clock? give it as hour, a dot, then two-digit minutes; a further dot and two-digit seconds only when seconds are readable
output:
8.34
